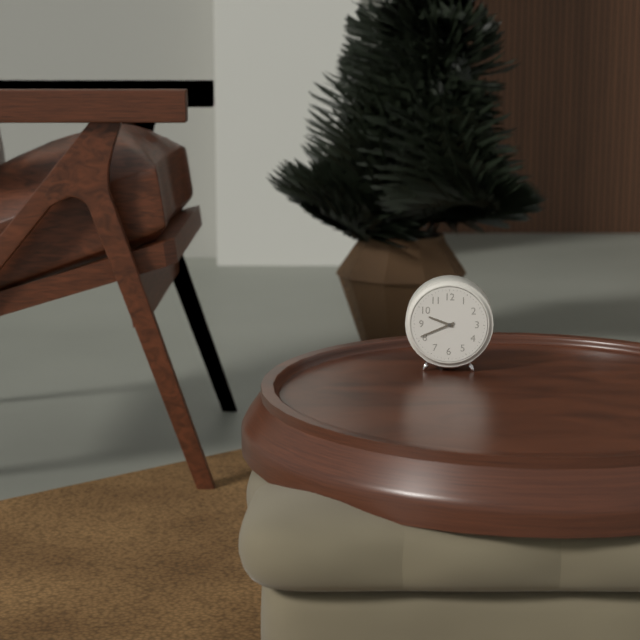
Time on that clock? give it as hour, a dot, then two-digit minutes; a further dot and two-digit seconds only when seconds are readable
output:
9.41
